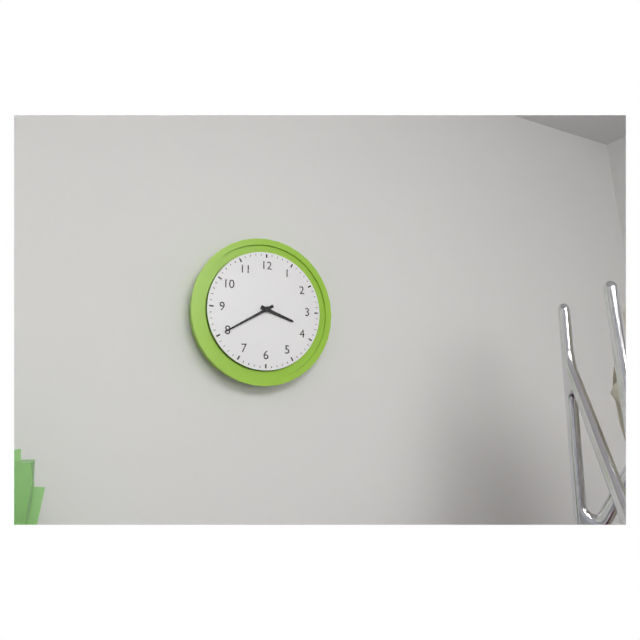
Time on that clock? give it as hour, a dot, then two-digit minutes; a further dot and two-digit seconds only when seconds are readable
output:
3.40
